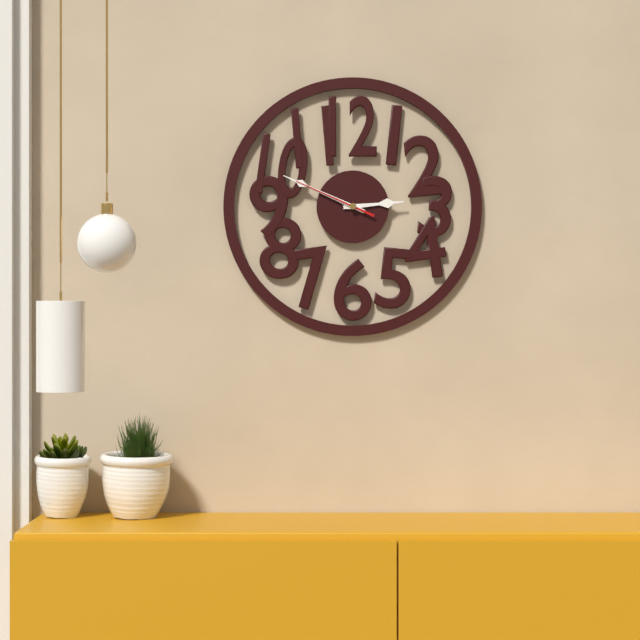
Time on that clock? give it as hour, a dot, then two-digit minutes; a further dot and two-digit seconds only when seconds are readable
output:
2.49.49
